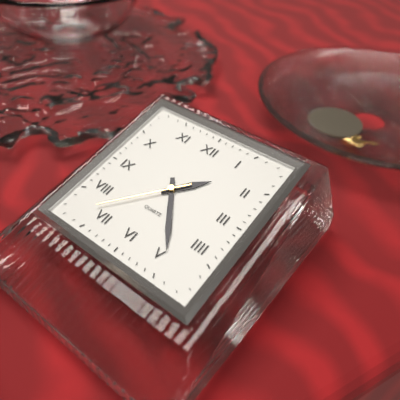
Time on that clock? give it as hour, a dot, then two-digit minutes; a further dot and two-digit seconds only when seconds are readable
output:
1.24.37
